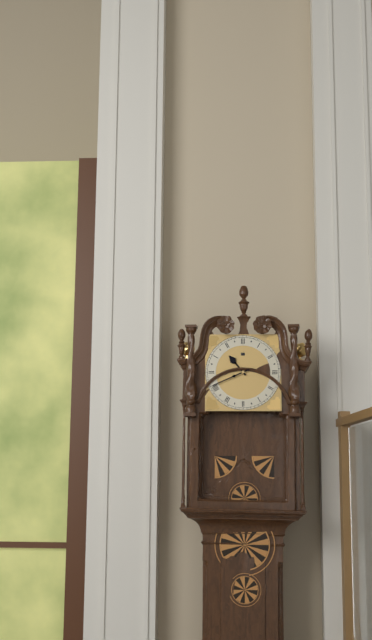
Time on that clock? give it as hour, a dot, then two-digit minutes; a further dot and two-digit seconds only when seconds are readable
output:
10.41
